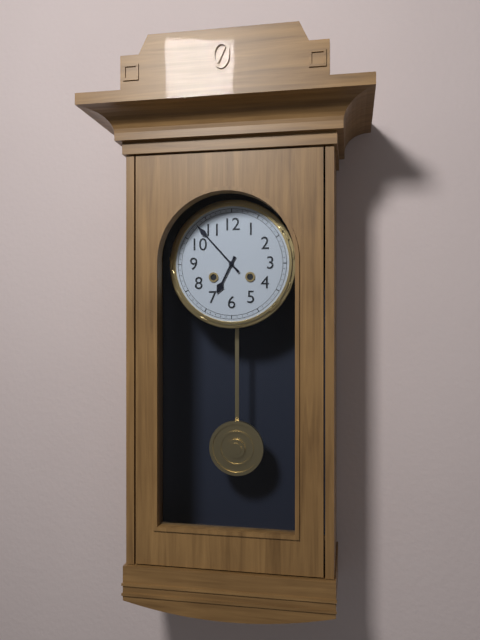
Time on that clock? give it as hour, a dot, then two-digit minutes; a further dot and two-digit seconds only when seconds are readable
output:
6.53
